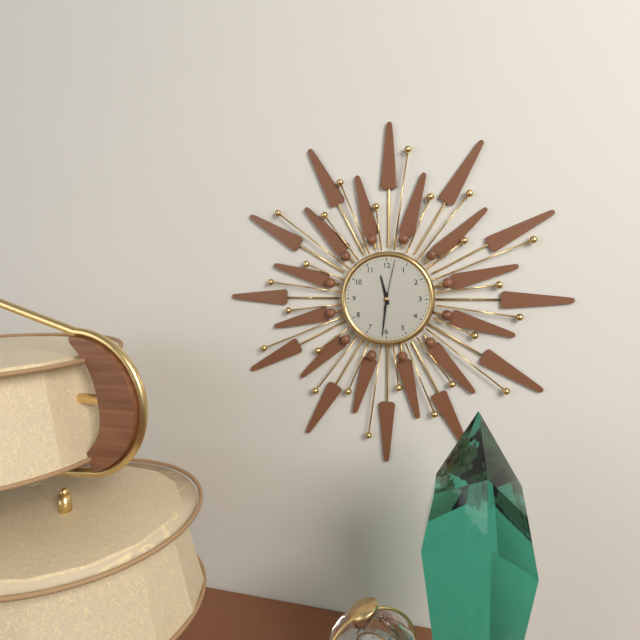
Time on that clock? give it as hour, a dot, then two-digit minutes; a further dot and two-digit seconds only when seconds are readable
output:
11.31.02
